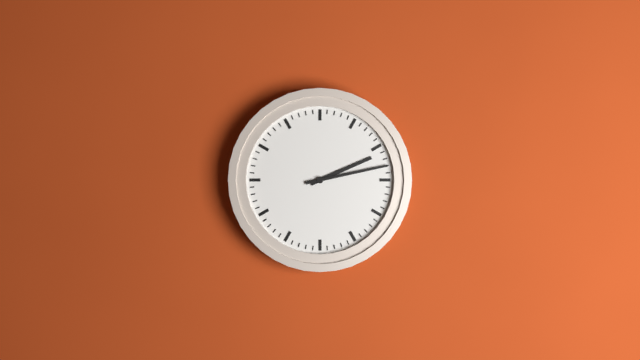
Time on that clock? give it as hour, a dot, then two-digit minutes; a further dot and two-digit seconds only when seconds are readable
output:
2.13
